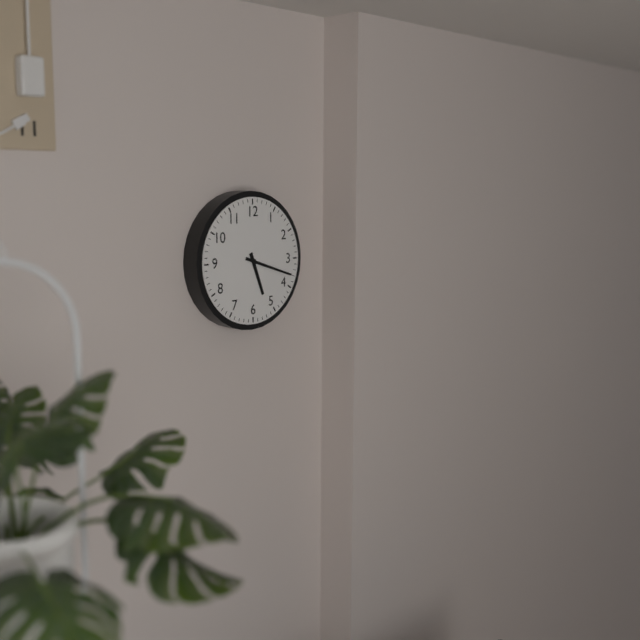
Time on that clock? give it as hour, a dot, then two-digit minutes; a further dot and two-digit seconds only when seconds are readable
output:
5.18
